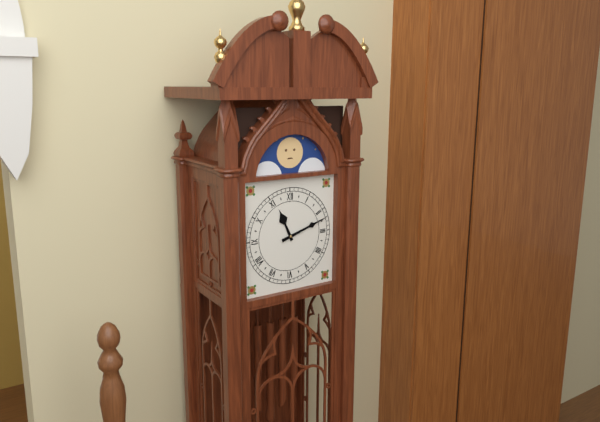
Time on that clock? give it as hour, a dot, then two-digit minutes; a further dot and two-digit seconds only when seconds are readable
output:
11.12
